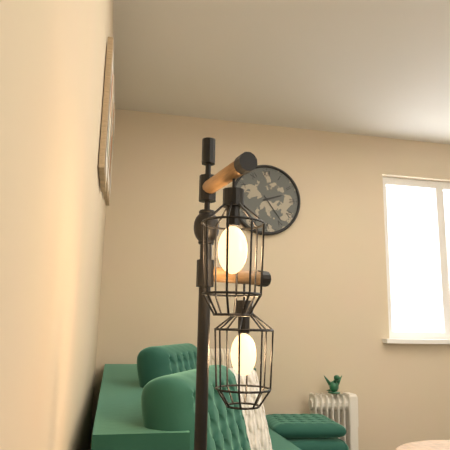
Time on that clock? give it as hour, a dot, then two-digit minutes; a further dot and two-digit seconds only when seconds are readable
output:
2.24
